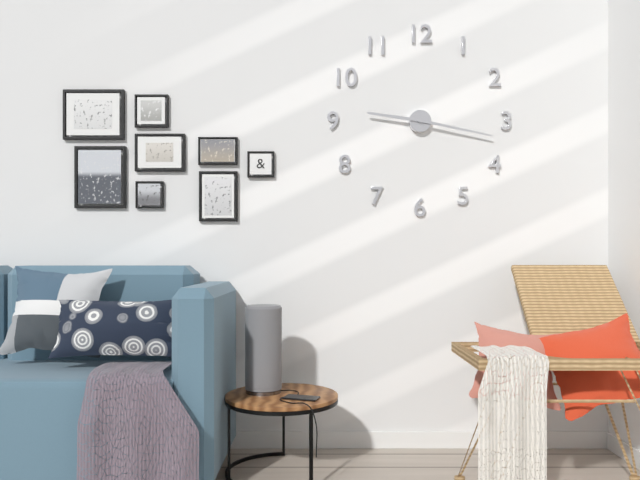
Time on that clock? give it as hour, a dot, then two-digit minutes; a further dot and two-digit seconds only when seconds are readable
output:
9.17
